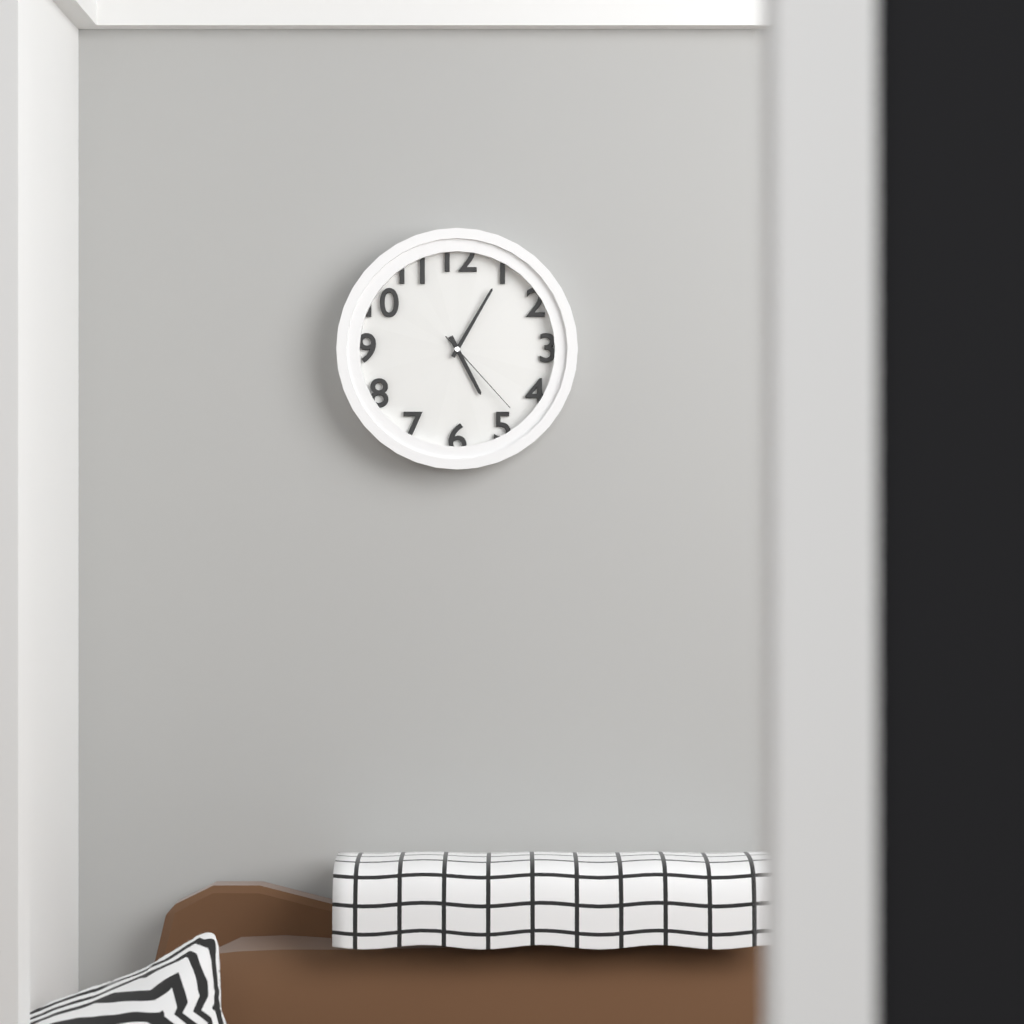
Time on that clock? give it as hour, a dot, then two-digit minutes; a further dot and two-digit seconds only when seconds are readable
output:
5.05.23
